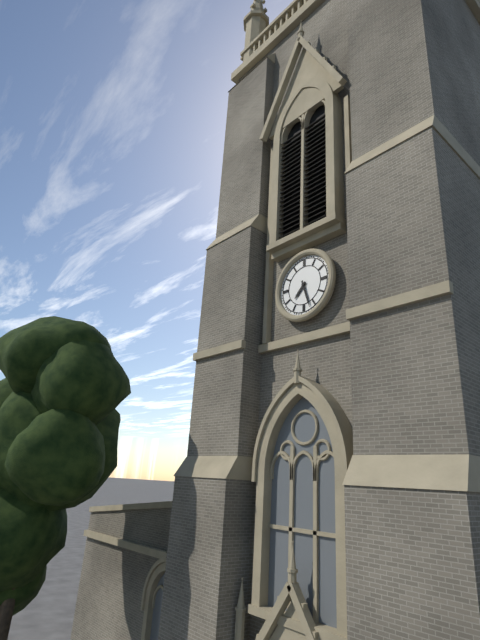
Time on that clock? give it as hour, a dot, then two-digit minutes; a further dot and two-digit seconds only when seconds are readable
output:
7.27
